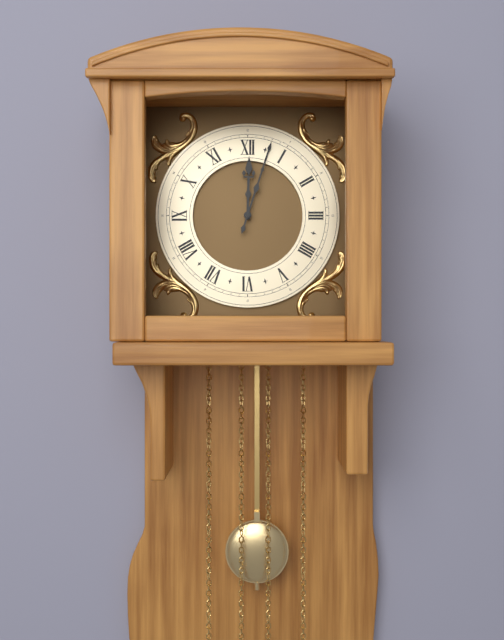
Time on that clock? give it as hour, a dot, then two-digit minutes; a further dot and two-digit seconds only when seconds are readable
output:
12.03
